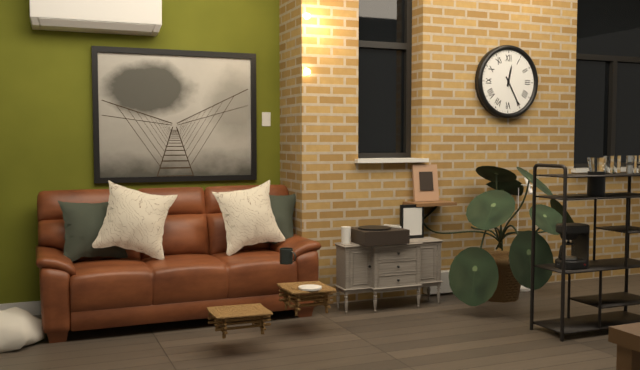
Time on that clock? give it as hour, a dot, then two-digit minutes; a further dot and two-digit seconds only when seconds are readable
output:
12.25
